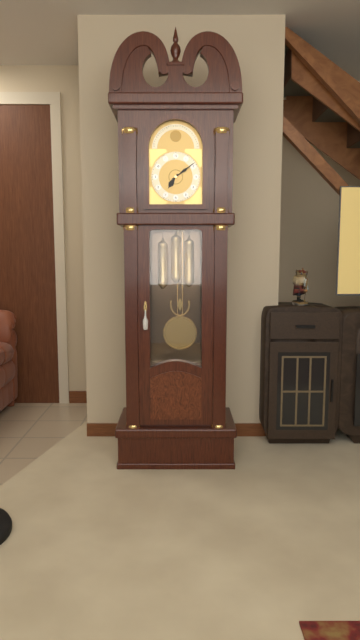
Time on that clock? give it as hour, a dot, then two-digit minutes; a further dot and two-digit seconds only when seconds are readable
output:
7.09
